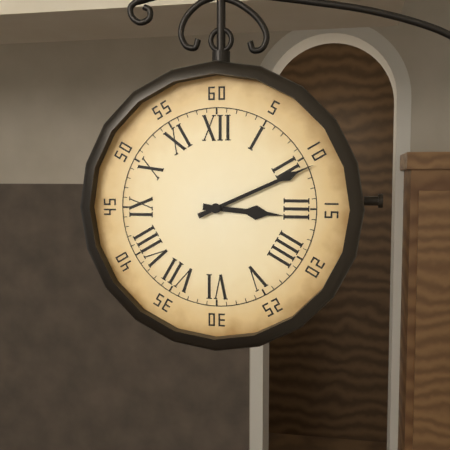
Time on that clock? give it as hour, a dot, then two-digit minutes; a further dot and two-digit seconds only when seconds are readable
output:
3.11
